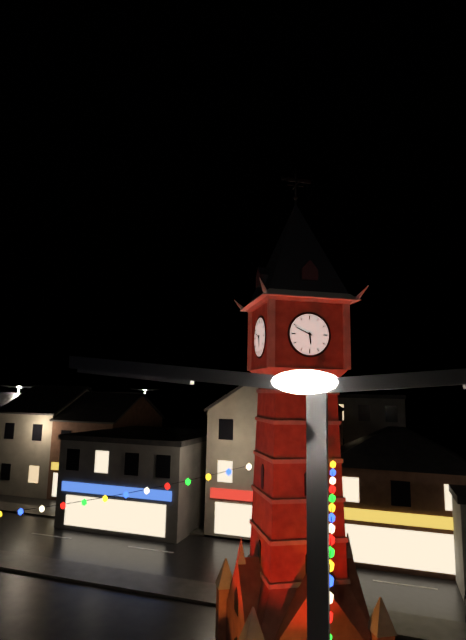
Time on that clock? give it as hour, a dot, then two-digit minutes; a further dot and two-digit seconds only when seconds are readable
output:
5.49
